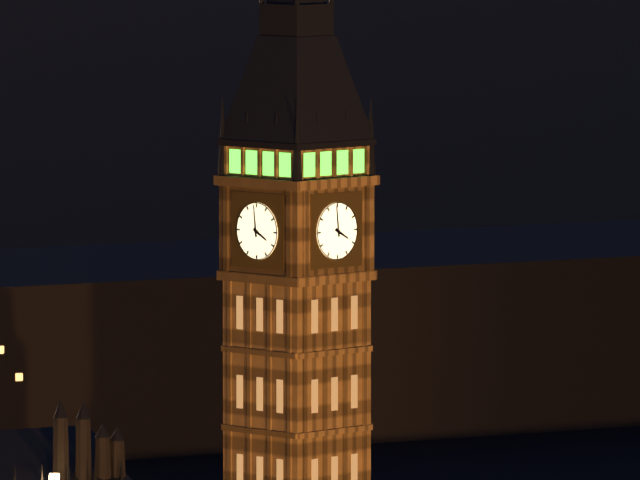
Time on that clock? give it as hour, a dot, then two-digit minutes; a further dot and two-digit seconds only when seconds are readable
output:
3.59
